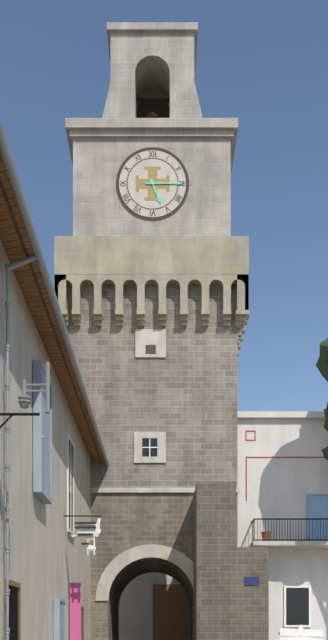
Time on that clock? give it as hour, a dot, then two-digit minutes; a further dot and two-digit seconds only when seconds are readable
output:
5.15
